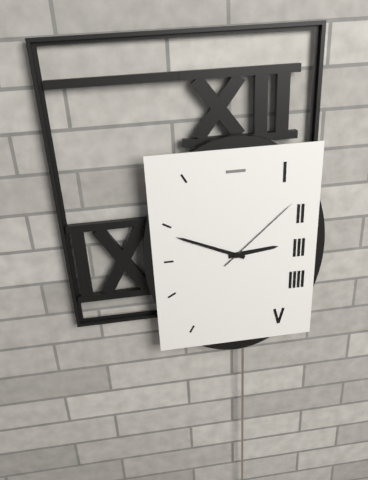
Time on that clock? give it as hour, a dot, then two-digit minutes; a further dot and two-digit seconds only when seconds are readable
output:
2.49.08
